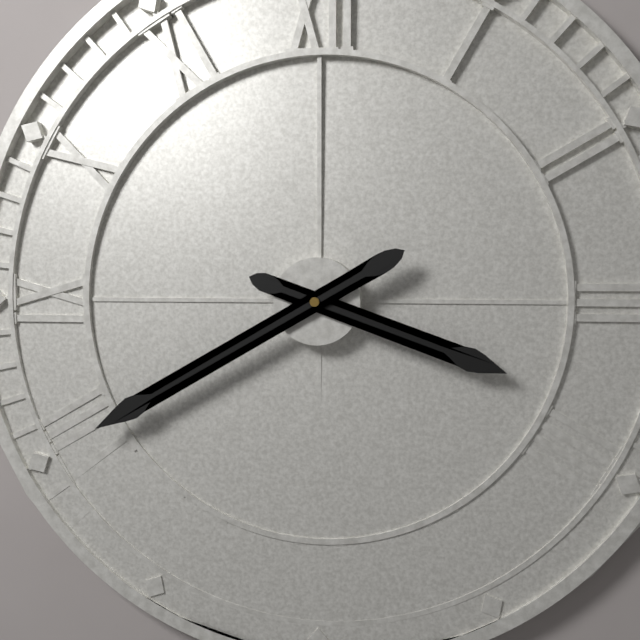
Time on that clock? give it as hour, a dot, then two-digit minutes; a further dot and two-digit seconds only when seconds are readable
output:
3.40
